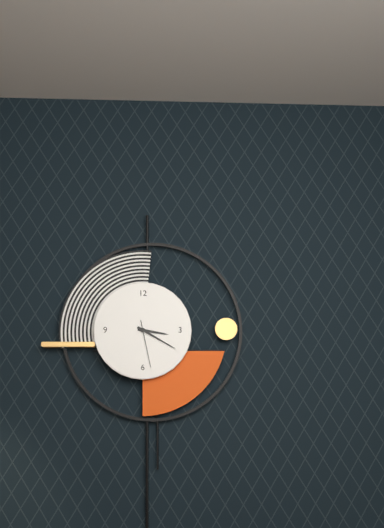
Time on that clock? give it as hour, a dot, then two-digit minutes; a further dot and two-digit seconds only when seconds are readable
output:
3.20.28
